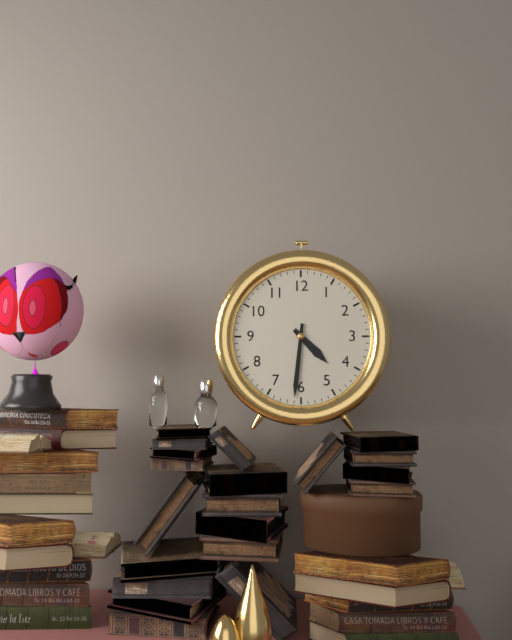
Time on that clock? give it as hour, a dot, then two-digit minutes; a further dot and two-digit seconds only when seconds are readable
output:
4.31
